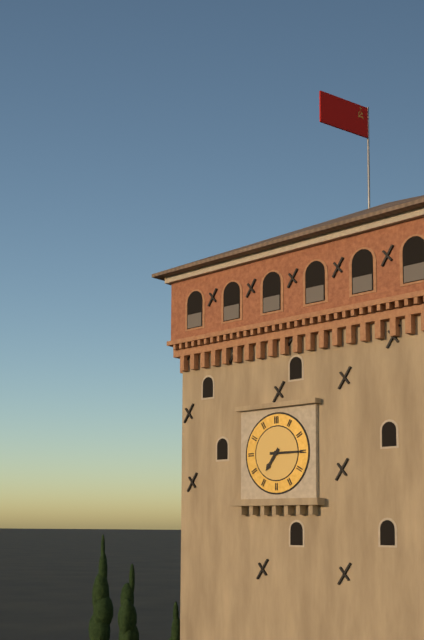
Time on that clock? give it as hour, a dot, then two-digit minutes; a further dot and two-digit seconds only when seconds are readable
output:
7.15
